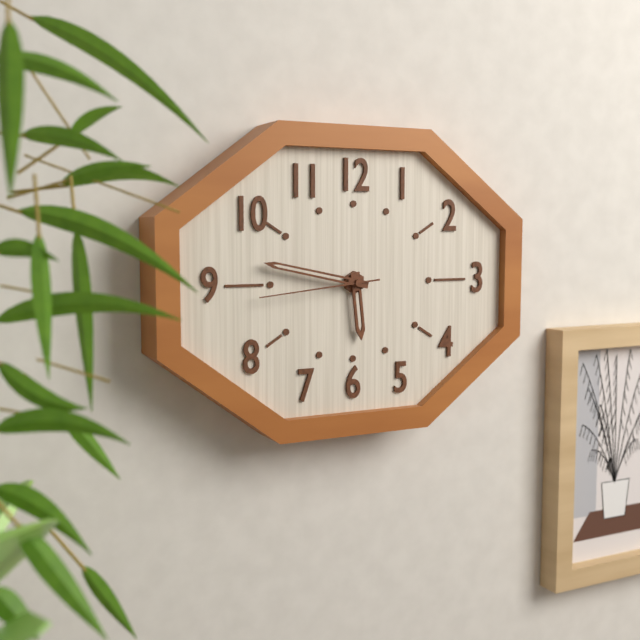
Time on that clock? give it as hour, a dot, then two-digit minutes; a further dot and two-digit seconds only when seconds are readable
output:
5.47.44
